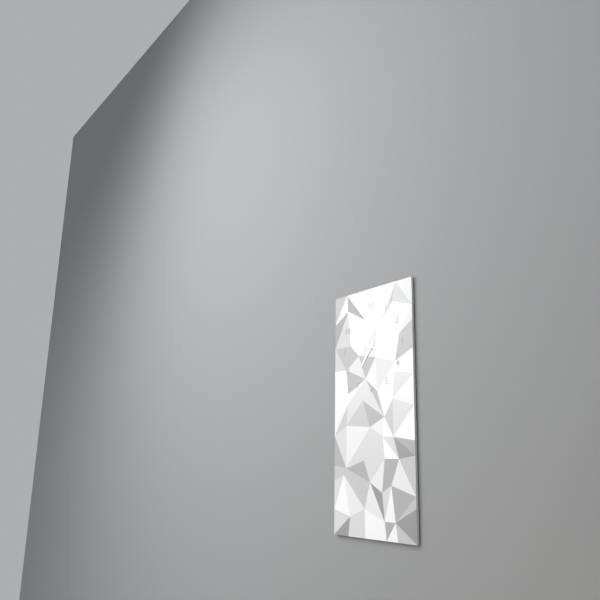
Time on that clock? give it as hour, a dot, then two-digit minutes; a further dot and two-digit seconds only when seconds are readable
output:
7.18
